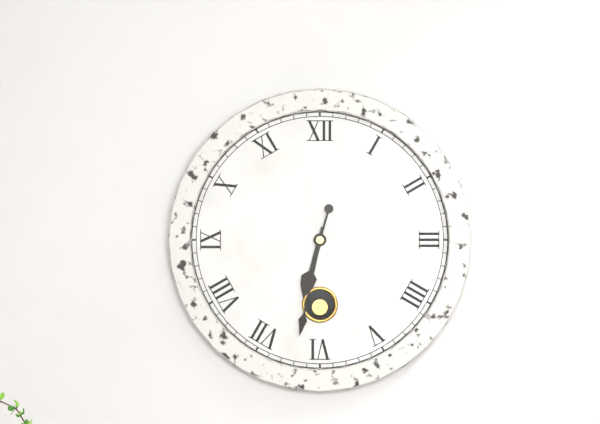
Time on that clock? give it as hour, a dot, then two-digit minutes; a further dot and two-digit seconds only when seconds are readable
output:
6.32
